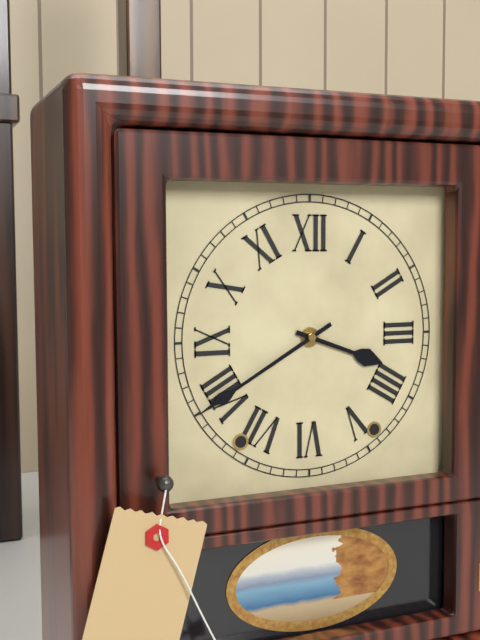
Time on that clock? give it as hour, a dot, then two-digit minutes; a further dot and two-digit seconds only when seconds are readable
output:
3.40
